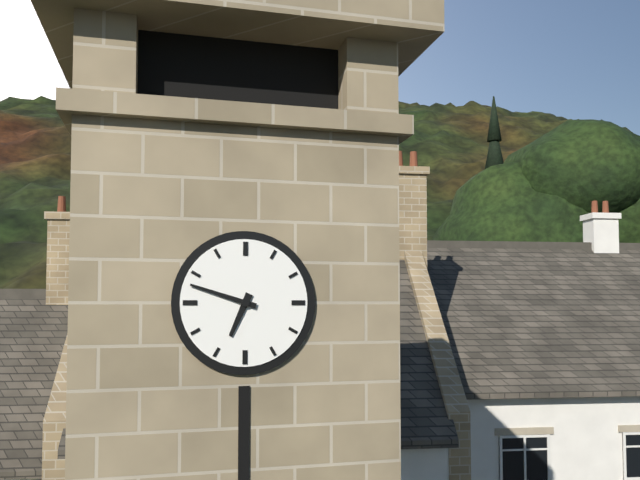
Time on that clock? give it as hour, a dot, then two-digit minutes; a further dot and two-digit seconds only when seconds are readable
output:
6.48
